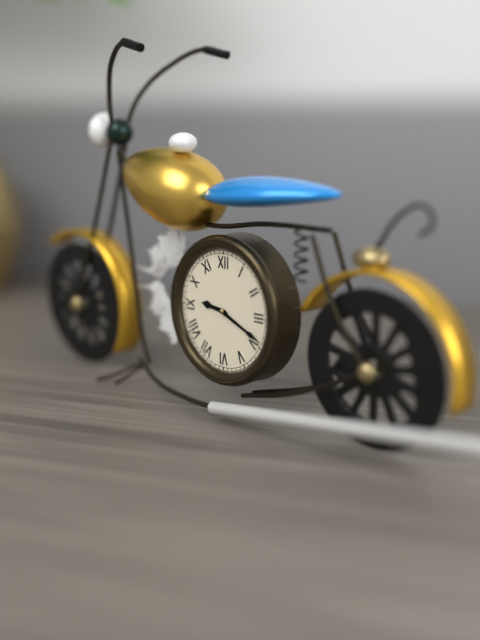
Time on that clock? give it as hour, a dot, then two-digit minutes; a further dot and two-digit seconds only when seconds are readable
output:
9.19
